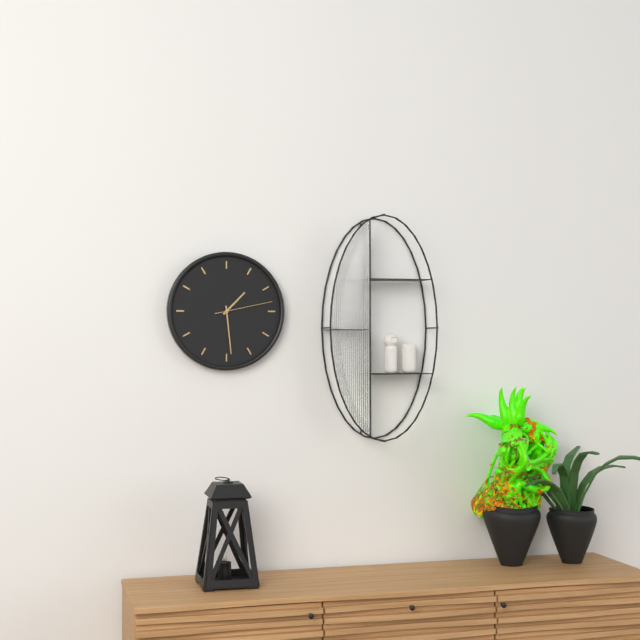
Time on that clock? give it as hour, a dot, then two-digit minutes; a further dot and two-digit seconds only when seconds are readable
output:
1.29.13
